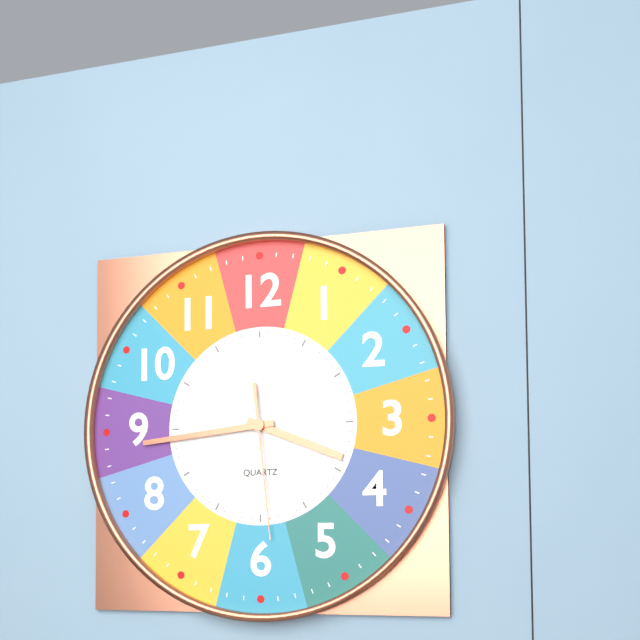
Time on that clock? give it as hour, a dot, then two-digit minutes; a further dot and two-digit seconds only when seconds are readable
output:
3.44.29
